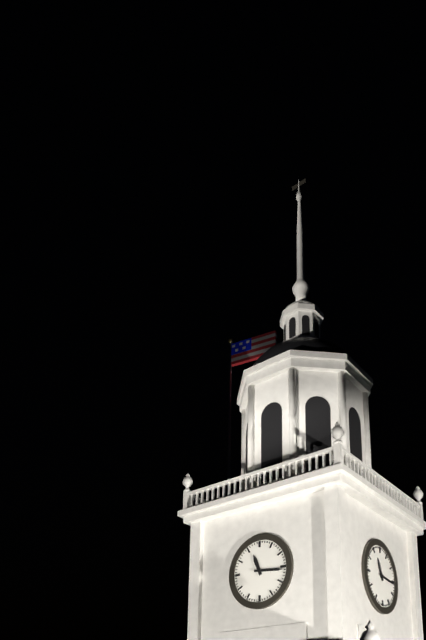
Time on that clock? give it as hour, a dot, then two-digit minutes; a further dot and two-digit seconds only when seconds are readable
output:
11.16
